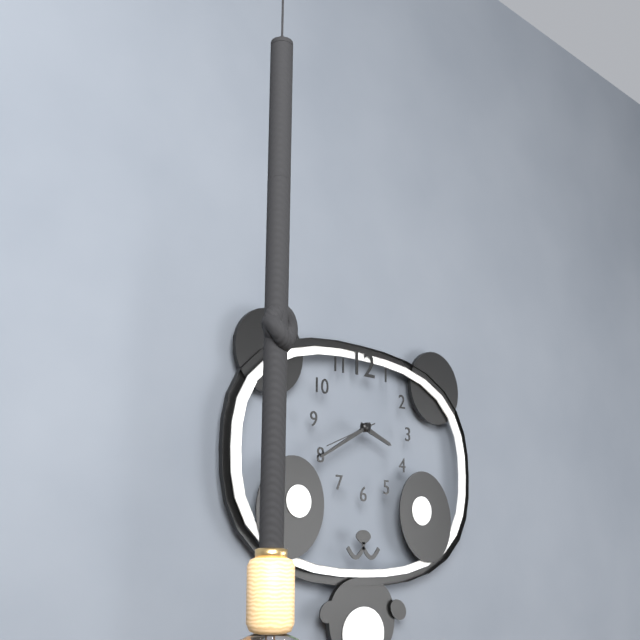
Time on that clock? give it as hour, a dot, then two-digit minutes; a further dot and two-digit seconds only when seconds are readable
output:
3.40
